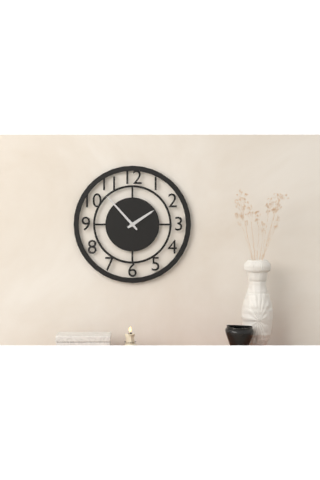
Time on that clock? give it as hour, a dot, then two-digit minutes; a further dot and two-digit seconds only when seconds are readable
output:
1.53
